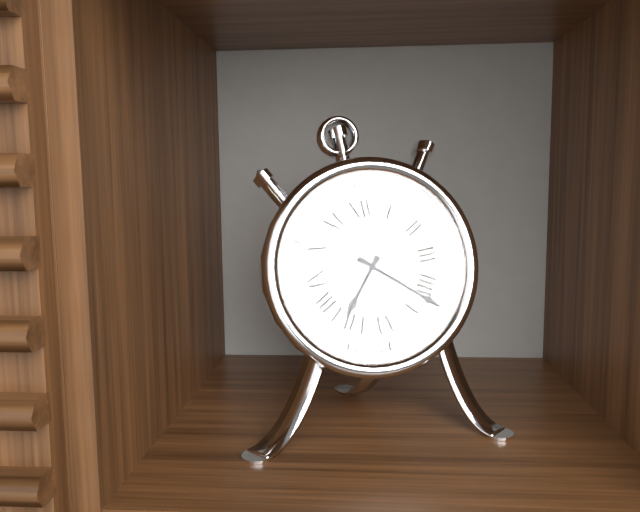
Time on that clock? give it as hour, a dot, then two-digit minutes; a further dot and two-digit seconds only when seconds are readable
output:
7.22
